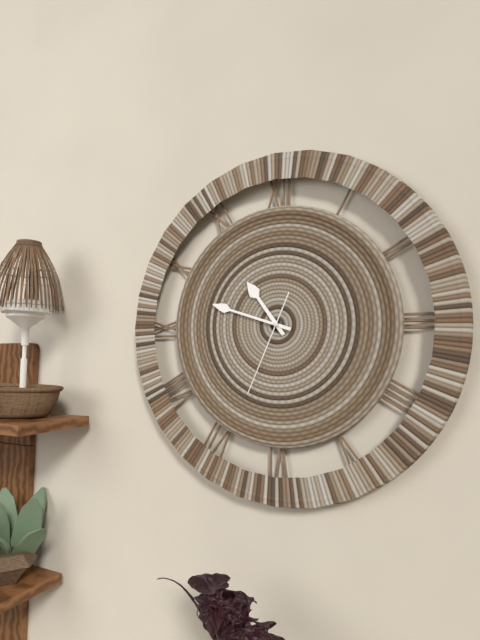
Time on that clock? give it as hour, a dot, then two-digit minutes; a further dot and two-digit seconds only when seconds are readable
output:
10.48.34
